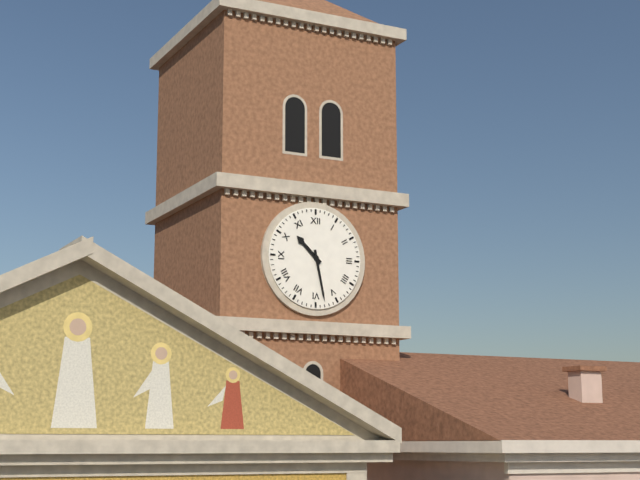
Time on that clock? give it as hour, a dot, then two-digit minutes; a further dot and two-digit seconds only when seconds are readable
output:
10.28
